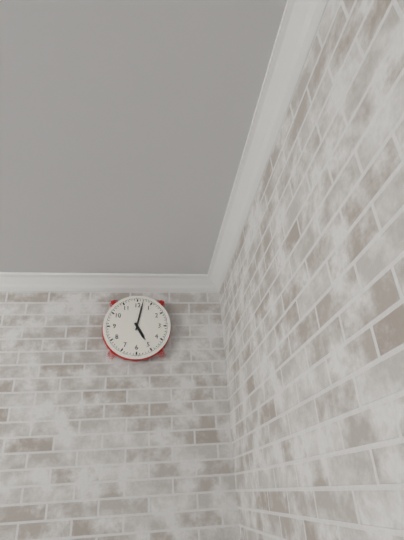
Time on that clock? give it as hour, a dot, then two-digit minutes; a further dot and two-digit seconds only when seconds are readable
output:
5.02
